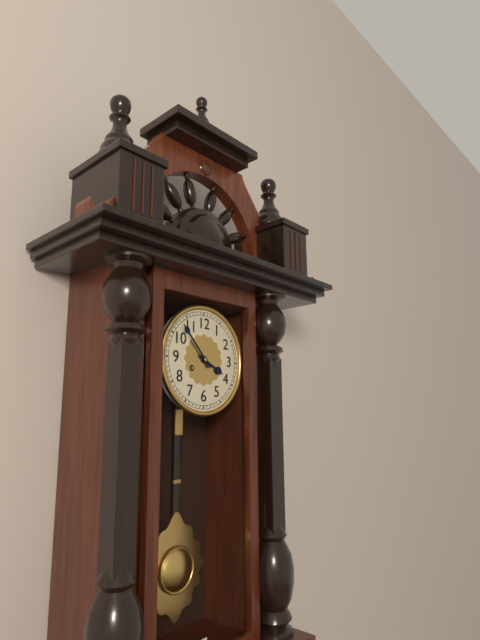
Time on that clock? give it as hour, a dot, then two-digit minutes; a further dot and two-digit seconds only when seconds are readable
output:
3.53
